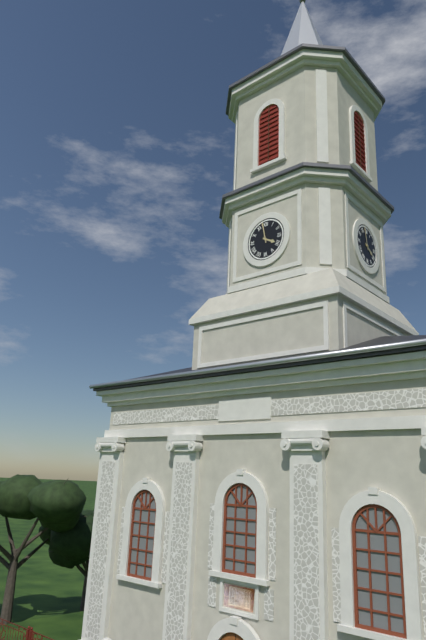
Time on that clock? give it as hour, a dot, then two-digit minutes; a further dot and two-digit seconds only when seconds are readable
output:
3.58
